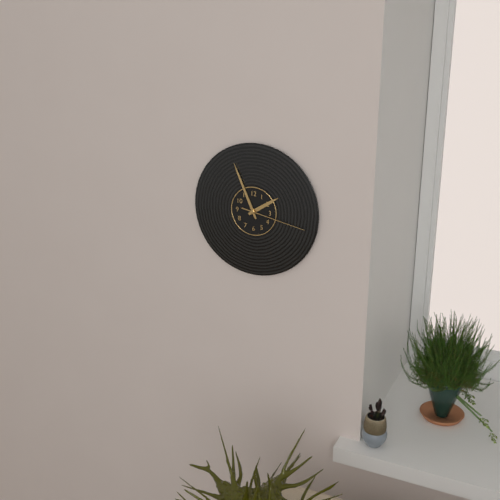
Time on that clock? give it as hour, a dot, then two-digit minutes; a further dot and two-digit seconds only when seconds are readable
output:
1.56.17
